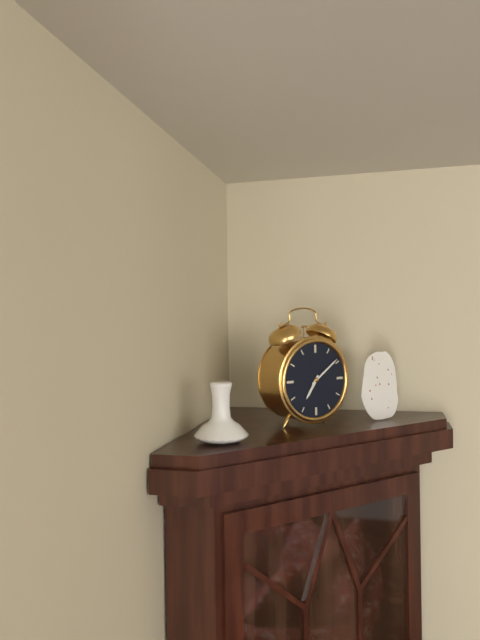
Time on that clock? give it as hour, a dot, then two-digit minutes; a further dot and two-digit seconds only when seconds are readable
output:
7.09
